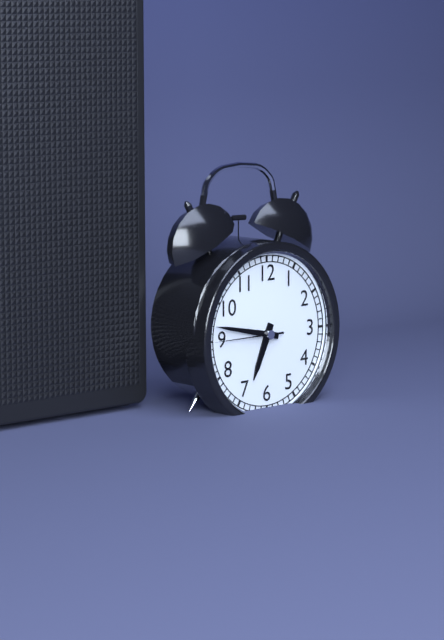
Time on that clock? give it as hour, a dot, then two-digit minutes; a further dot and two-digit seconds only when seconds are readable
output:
6.47.45
